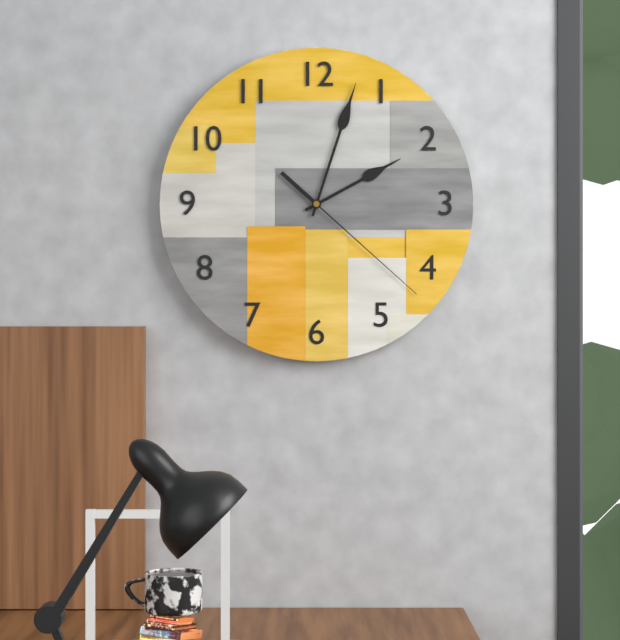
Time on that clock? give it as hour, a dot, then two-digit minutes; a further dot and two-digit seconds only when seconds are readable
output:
2.03.22
